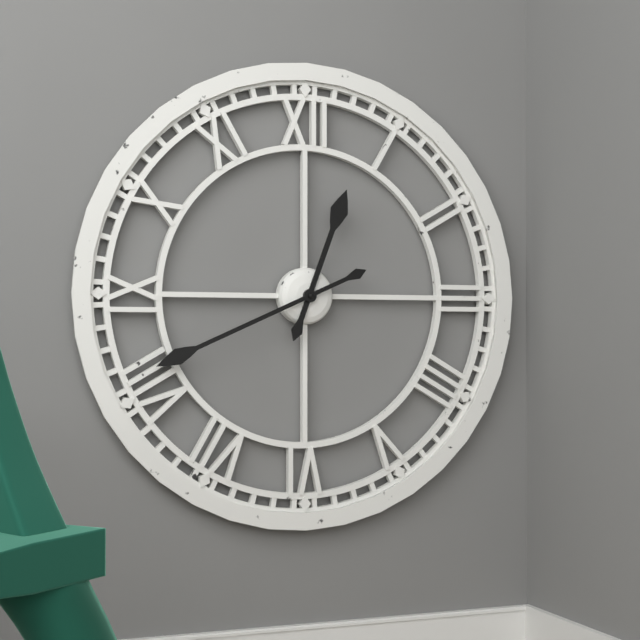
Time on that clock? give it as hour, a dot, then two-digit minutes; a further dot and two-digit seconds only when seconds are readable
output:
12.41
